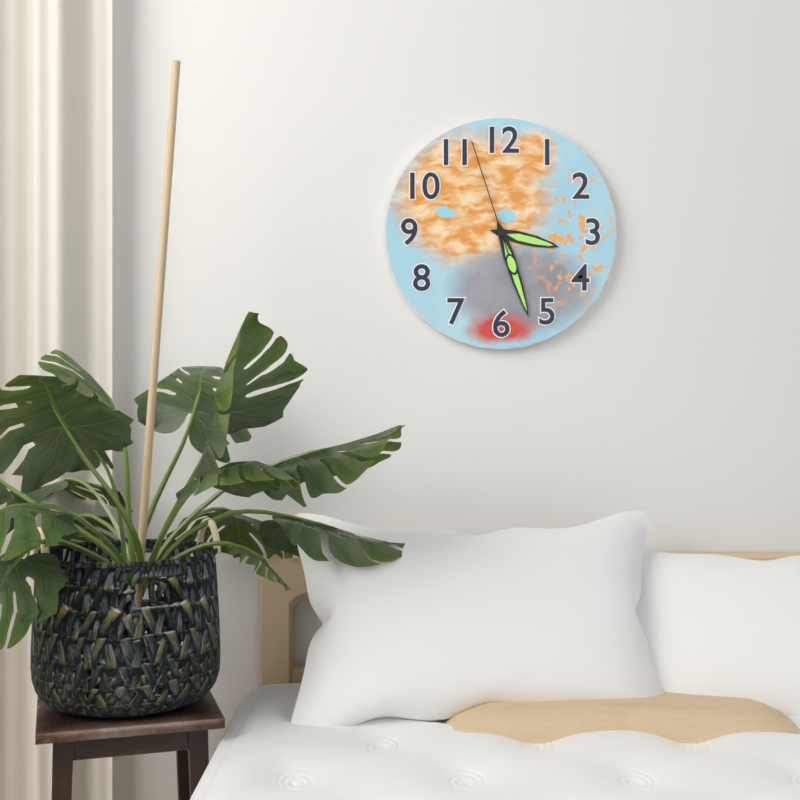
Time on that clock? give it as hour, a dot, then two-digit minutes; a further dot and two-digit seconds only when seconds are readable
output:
3.27.57
